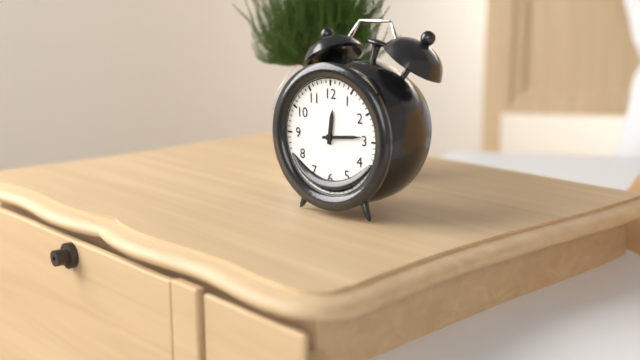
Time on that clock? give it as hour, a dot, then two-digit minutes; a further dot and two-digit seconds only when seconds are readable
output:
12.14
